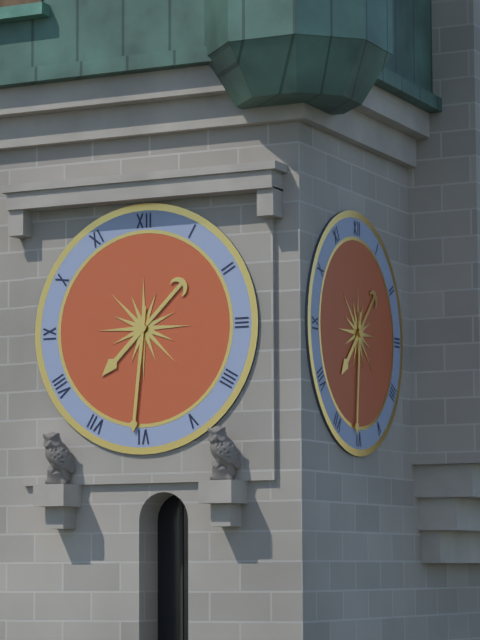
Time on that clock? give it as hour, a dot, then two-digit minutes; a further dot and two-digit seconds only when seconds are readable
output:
7.31
